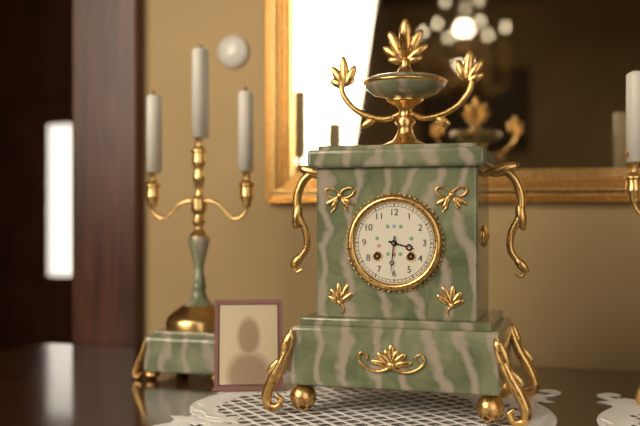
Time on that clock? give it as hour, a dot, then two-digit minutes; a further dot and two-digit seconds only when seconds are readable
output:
3.31
